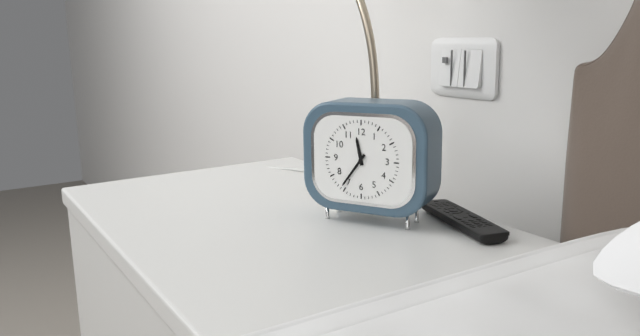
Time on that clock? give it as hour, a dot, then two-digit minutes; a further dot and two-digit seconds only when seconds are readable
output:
11.36
